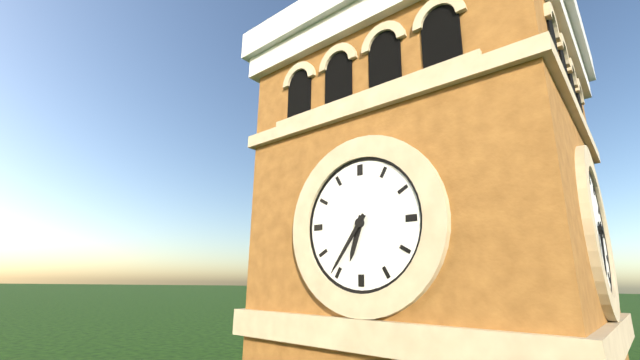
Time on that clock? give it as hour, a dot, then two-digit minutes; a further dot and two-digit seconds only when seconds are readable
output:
6.36
